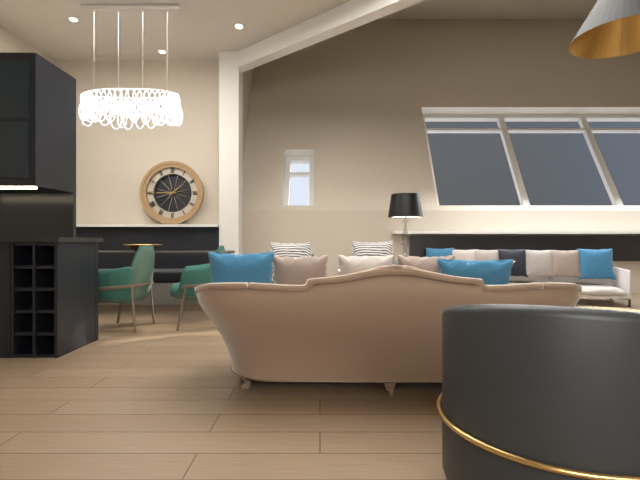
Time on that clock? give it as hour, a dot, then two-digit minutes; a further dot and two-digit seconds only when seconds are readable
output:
1.45
